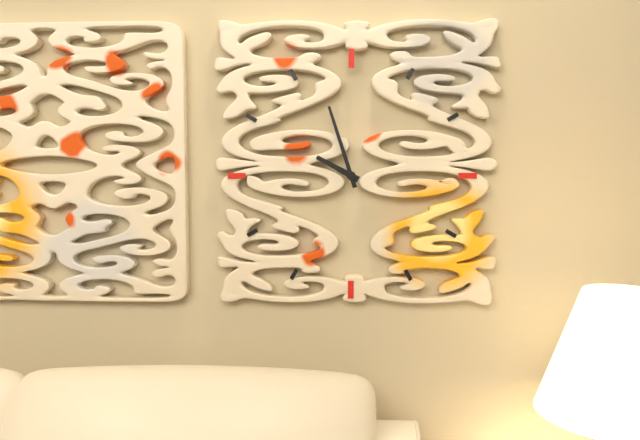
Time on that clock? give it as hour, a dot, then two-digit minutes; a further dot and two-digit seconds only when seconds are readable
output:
9.57
